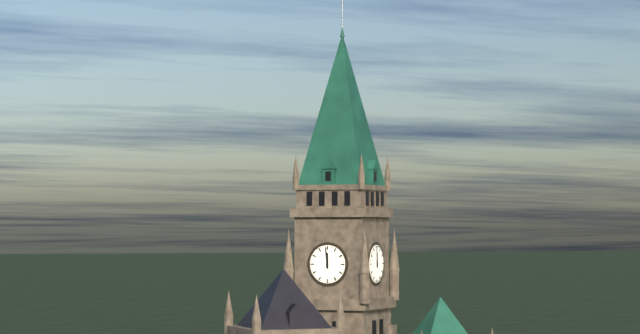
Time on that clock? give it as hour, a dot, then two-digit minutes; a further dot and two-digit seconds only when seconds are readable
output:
11.59
